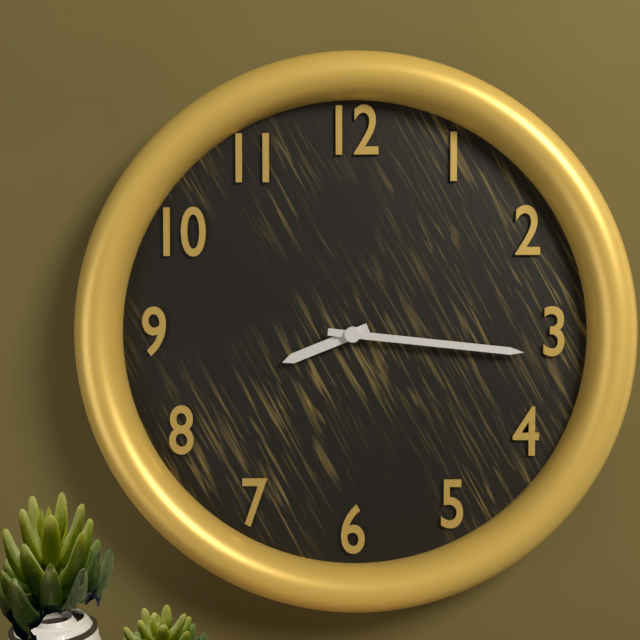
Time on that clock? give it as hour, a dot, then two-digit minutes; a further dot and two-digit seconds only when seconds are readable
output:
8.16
